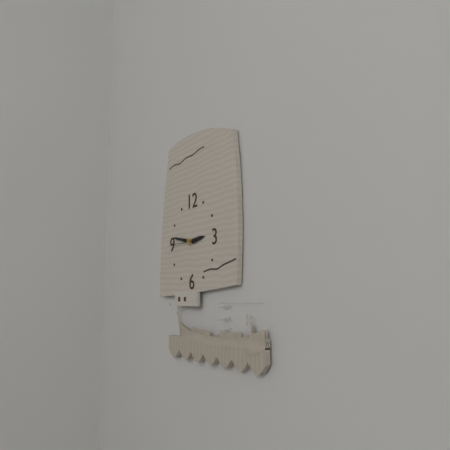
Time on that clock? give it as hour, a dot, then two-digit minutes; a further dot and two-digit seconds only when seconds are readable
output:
2.47
